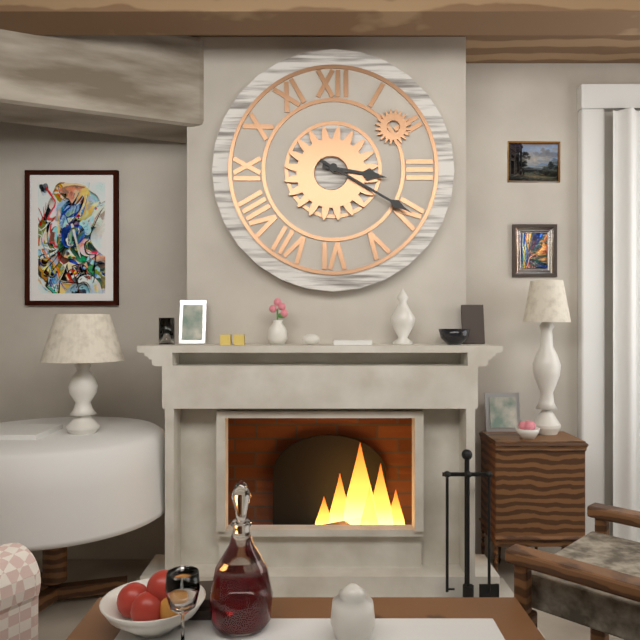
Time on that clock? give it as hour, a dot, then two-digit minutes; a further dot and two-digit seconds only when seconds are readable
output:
3.20
